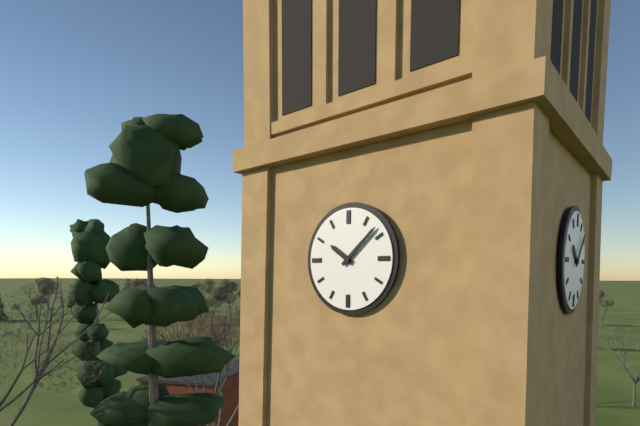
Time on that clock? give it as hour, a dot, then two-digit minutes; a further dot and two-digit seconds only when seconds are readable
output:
10.08
